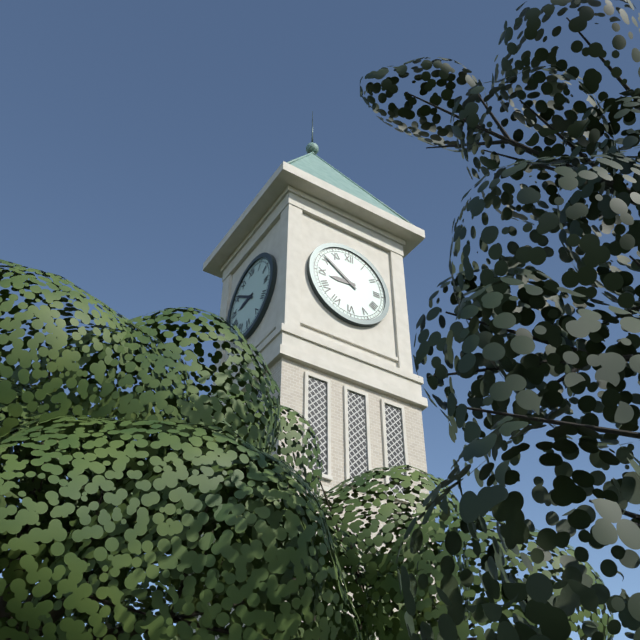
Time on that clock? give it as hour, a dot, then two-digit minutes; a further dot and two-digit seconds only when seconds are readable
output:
8.51
